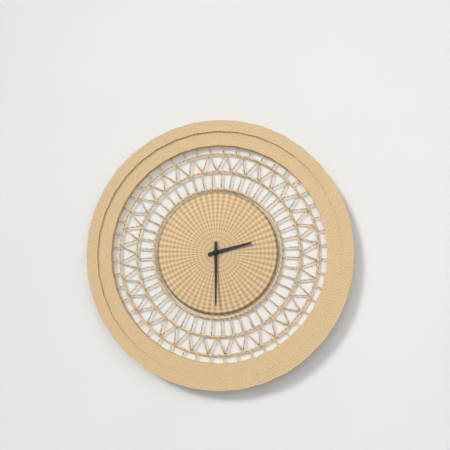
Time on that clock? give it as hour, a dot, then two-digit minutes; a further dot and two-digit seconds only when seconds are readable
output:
2.30
